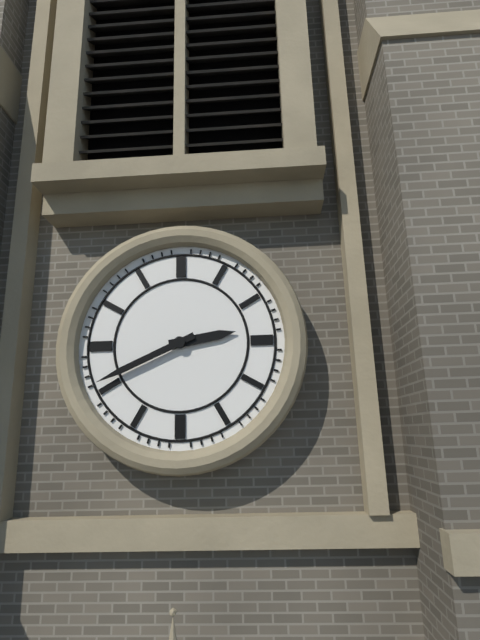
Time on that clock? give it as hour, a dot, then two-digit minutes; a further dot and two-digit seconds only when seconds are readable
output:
2.41
